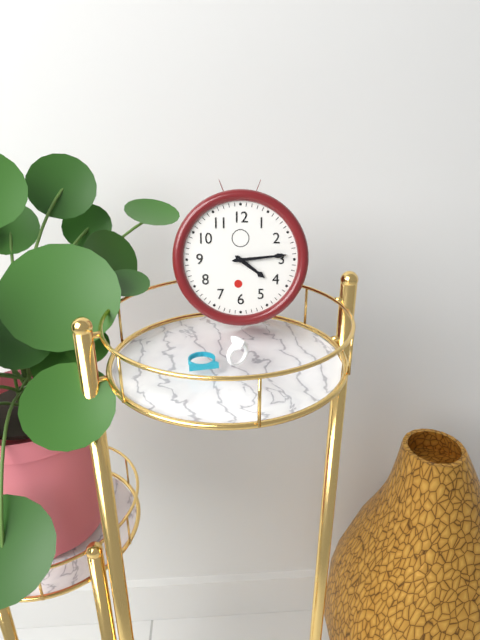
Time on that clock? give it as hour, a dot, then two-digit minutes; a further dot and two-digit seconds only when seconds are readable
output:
4.14
